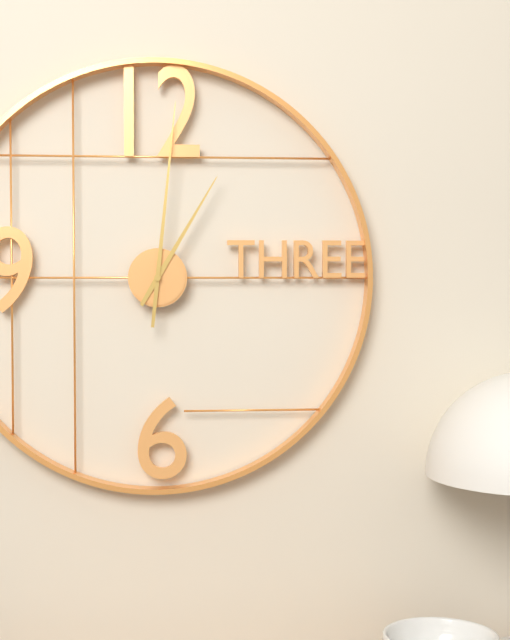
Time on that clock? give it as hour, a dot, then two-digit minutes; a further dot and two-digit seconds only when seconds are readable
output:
1.01
